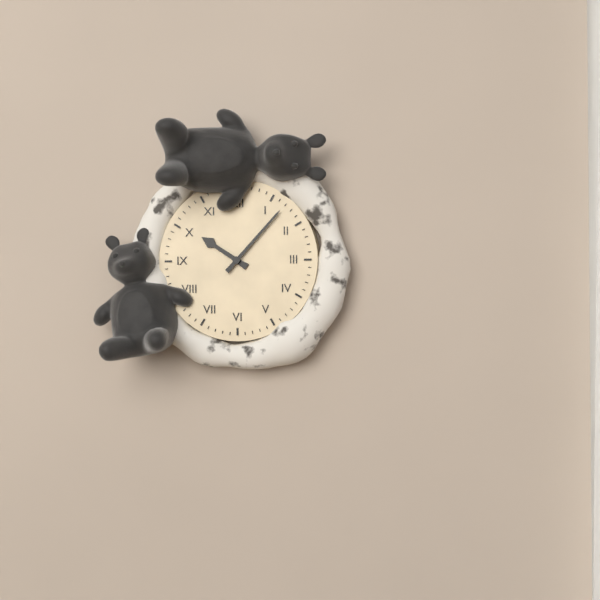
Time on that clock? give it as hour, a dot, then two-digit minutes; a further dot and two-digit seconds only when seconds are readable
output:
10.07
